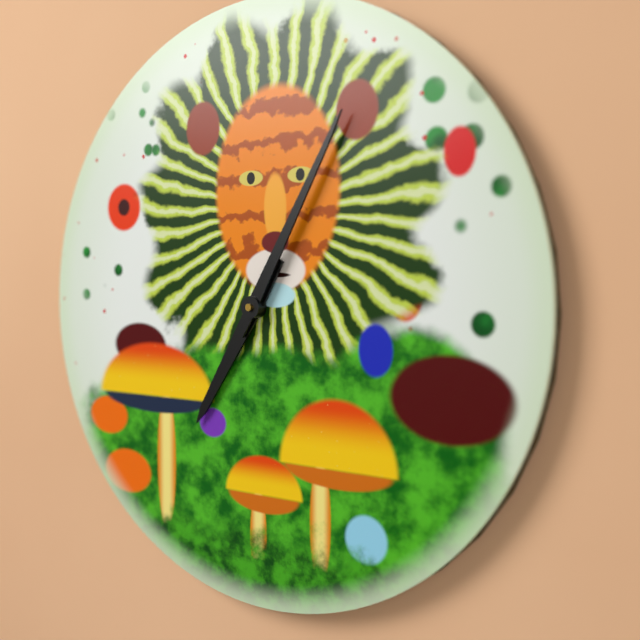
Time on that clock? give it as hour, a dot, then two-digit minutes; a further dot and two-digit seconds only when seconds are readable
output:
7.05
